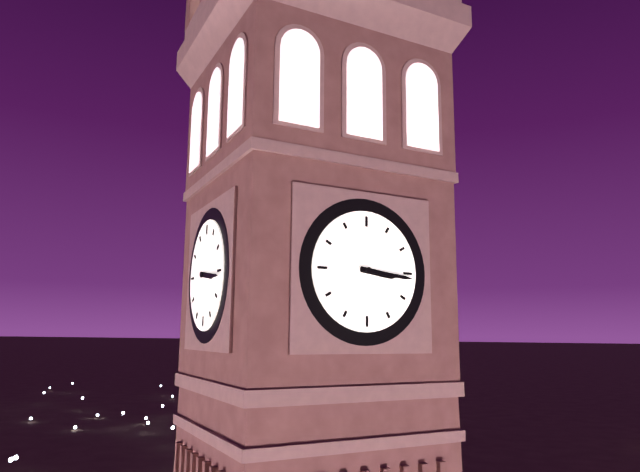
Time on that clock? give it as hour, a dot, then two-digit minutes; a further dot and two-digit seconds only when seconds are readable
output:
3.16
